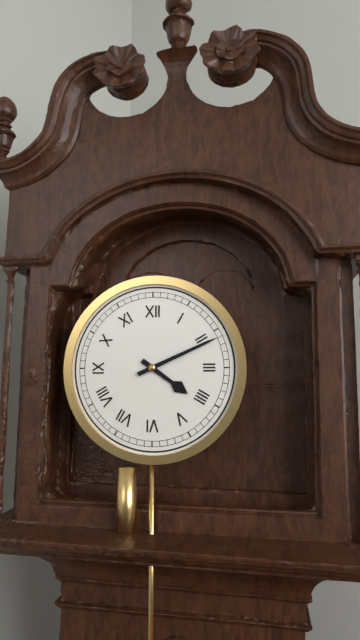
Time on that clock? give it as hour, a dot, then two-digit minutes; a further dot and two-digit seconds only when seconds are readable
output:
4.11
